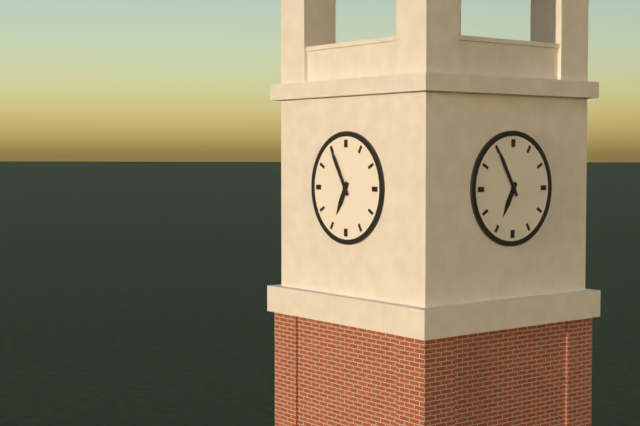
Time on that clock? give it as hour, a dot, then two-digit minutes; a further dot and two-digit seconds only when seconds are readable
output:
6.55
